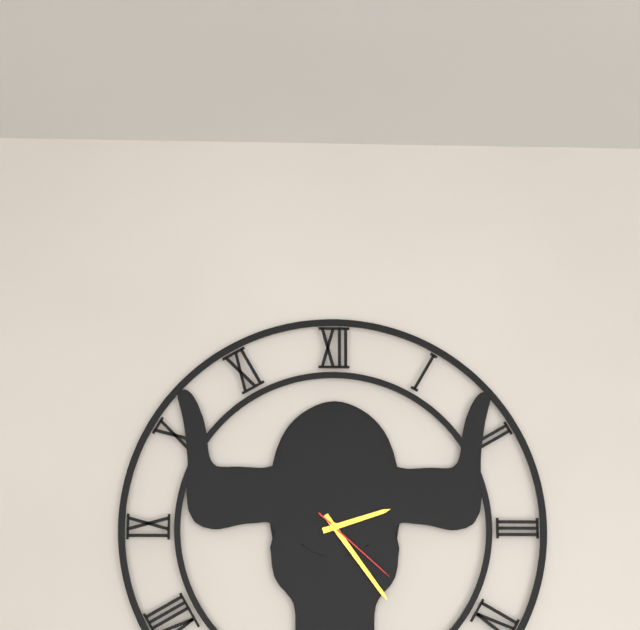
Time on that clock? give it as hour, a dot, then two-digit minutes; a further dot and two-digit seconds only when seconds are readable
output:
2.24.22
